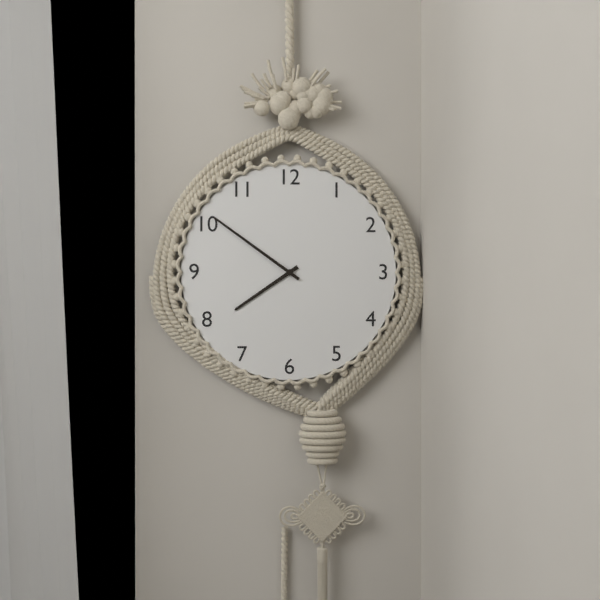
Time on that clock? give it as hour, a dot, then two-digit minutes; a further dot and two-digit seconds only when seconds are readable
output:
7.51
